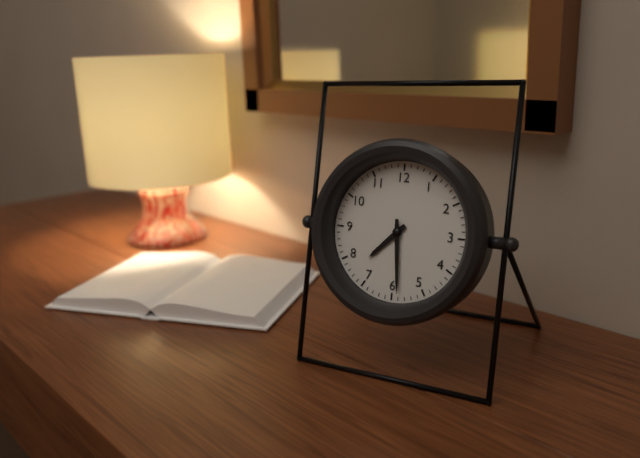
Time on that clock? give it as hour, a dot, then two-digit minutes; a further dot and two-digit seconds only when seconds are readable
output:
7.29
